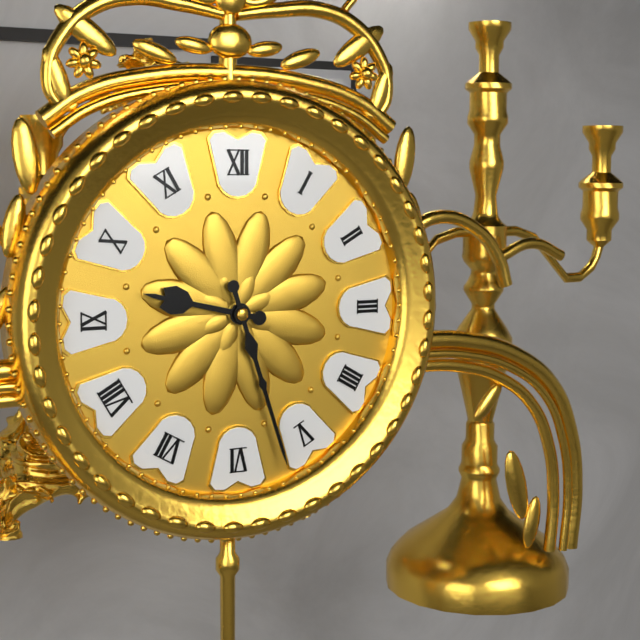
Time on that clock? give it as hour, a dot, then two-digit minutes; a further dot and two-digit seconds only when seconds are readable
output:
9.27
